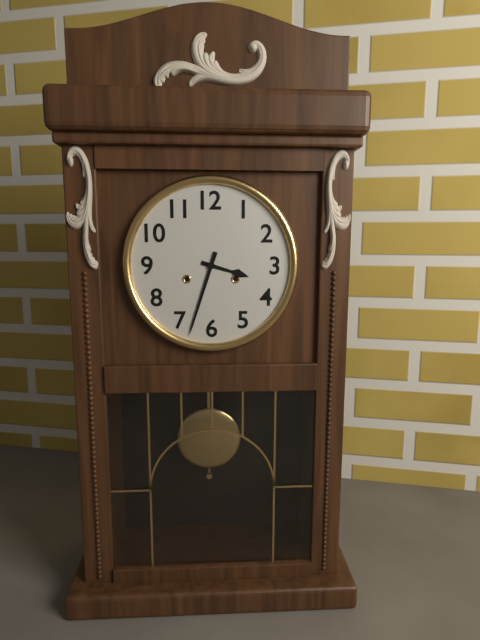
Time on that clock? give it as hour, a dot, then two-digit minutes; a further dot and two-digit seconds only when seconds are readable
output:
3.33
